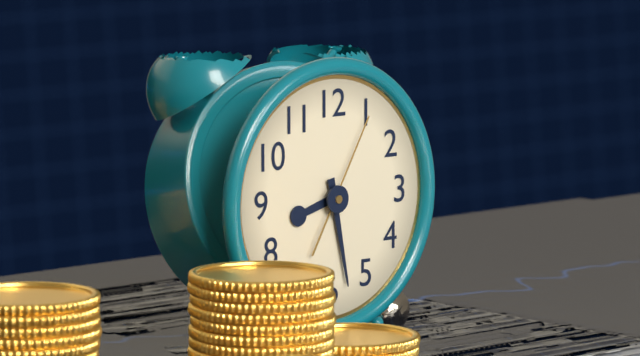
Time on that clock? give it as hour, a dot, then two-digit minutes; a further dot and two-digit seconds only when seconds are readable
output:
8.28.05
